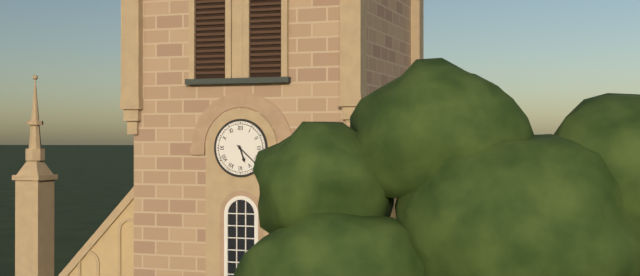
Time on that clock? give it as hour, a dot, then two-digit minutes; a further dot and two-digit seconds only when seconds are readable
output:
5.22
